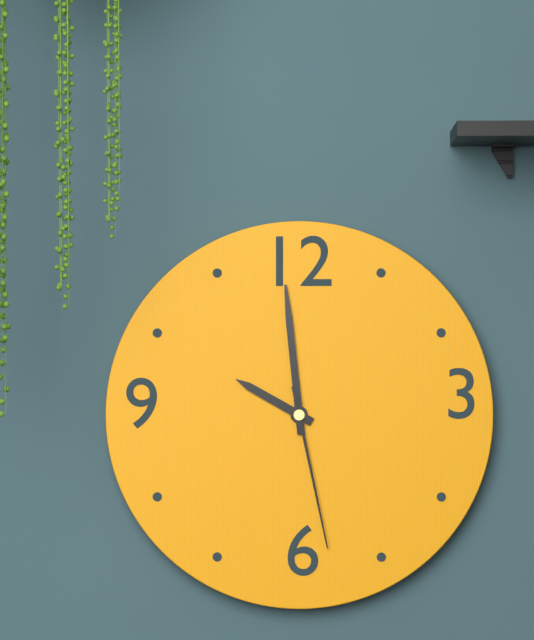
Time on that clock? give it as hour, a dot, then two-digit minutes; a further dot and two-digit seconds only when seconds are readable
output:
9.59.28
